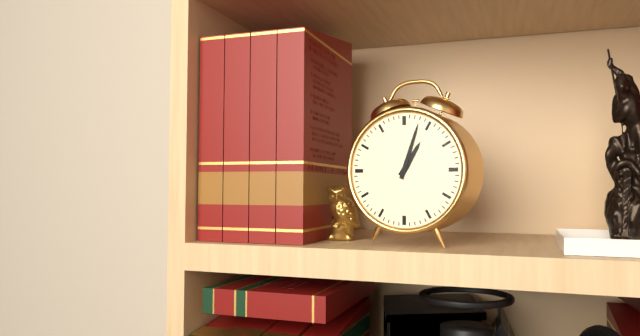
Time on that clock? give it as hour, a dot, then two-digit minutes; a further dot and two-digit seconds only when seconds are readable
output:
1.03
